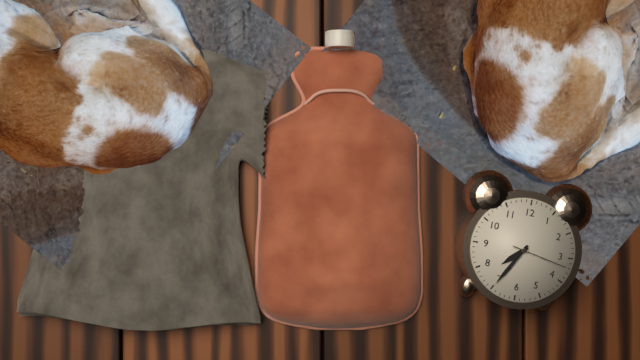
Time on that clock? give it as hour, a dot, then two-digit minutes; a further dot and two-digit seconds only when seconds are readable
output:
7.35.17
